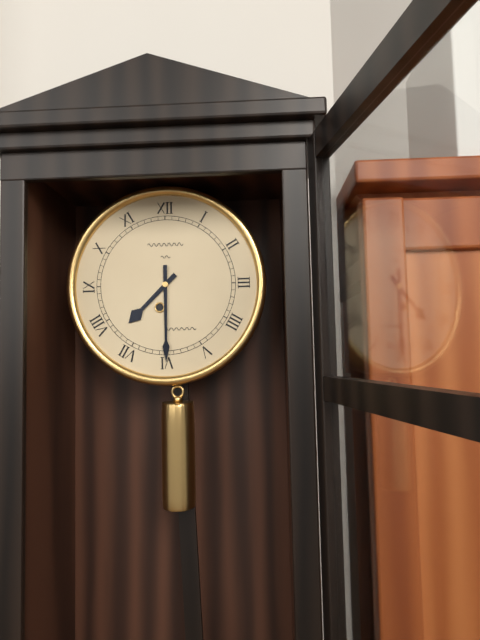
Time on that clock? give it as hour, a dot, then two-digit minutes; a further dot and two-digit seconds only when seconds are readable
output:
7.30
